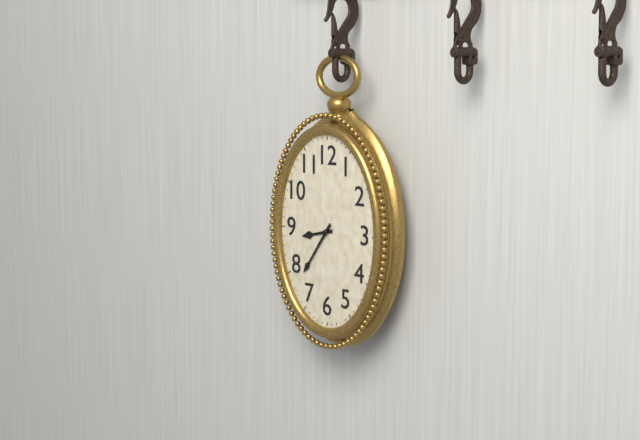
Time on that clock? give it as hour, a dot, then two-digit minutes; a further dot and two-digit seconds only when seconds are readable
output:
8.36
